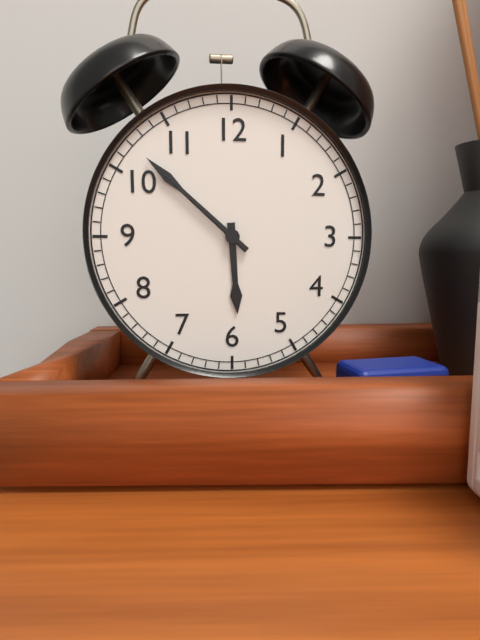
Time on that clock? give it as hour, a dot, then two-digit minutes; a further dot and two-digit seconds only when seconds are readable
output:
5.52.52
